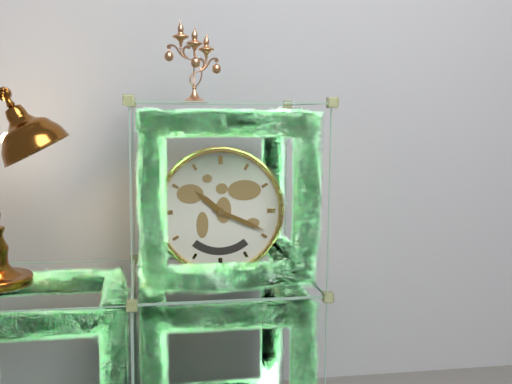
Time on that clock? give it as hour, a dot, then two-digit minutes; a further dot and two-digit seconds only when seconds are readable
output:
10.19
